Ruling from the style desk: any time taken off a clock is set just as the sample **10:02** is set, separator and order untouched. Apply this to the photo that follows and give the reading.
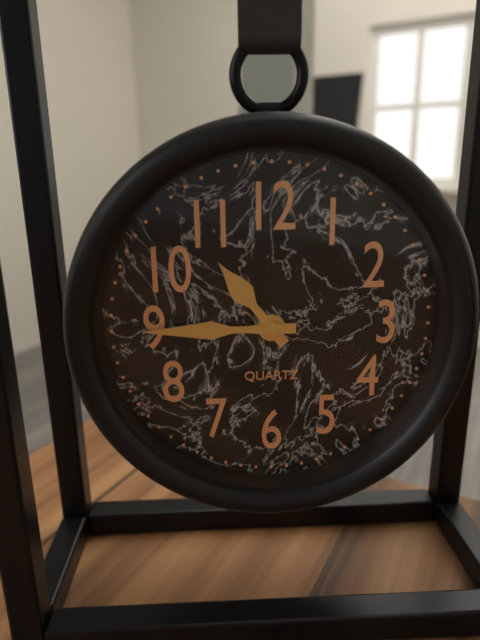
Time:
**10:45**
